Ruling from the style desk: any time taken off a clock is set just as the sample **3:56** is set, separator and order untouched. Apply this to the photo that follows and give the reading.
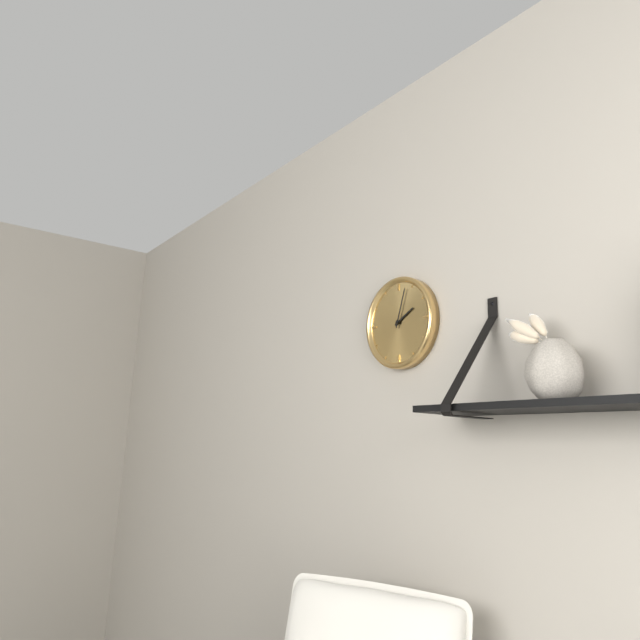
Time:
**2:03**
